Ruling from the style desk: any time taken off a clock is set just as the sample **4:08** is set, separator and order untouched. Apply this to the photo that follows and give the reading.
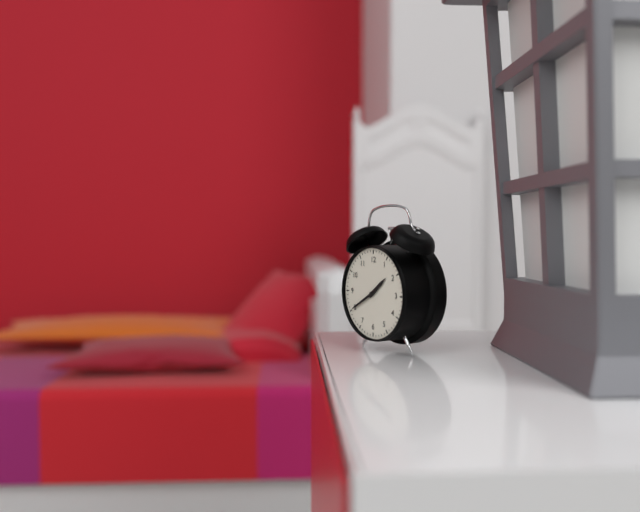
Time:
**1:40**
